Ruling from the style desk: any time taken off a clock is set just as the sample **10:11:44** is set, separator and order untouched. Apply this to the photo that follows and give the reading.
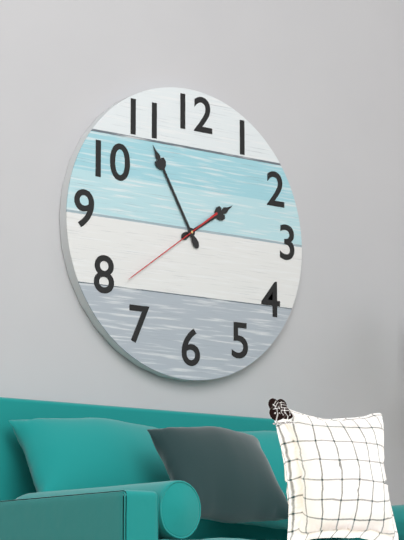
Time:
**1:55:39**
